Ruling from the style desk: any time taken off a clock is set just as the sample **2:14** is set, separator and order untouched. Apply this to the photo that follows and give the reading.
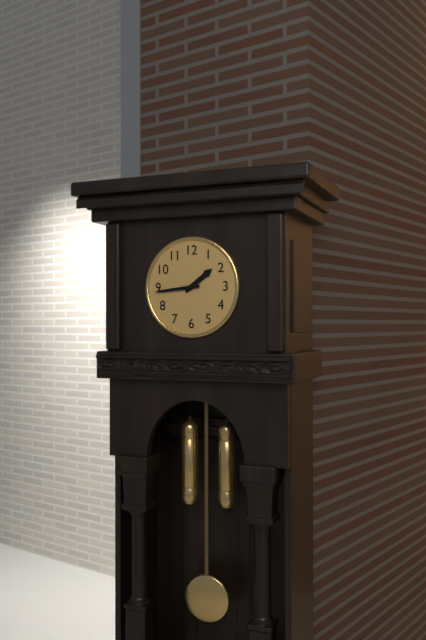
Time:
**1:44**
